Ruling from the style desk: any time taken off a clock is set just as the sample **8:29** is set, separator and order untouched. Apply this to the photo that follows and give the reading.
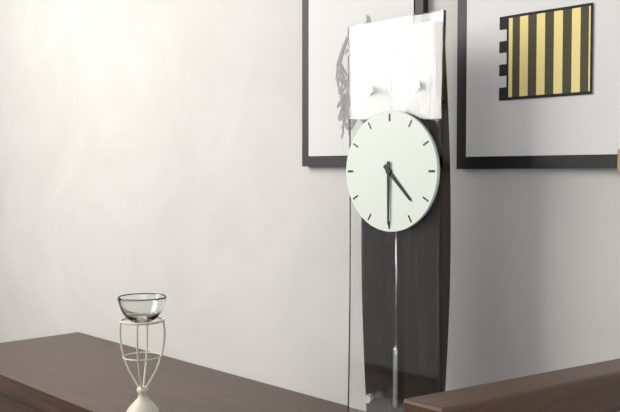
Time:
**4:30**
